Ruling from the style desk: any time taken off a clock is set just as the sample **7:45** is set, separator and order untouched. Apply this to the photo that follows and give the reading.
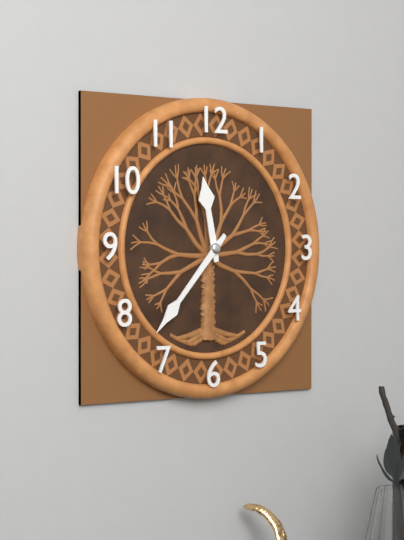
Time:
**11:37**
